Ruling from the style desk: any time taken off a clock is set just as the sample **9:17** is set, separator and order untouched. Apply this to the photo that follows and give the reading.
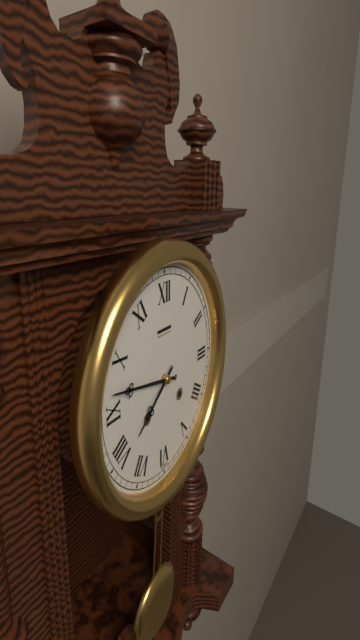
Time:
**7:47**
